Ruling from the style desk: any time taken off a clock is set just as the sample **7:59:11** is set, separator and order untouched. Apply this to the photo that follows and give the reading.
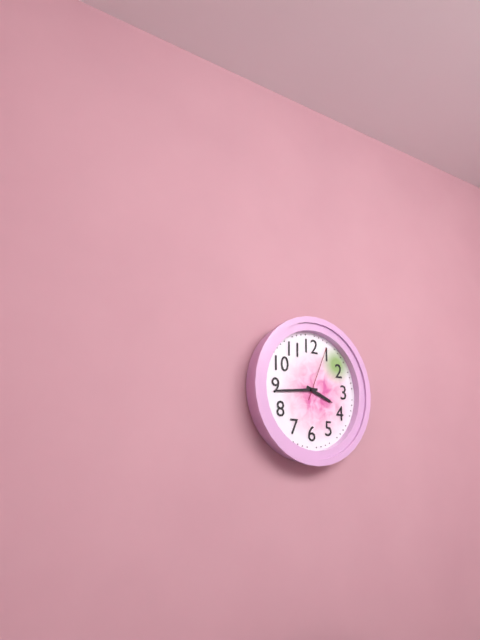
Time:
**3:44:04**
